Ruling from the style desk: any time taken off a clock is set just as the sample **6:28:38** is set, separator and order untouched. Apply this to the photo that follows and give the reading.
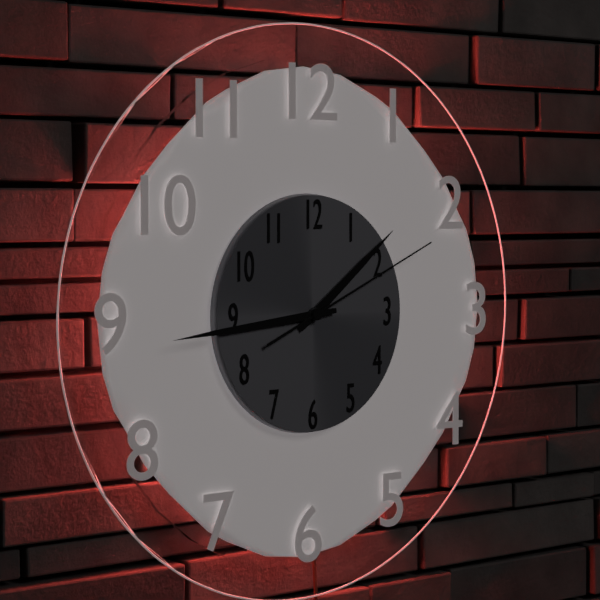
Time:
**1:44:11**
